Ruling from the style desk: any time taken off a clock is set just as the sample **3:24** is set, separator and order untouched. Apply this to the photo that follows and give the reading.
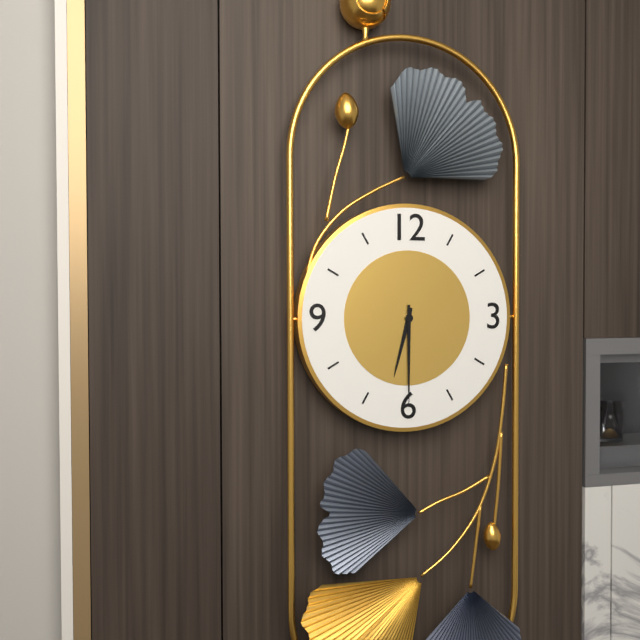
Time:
**6:30**
